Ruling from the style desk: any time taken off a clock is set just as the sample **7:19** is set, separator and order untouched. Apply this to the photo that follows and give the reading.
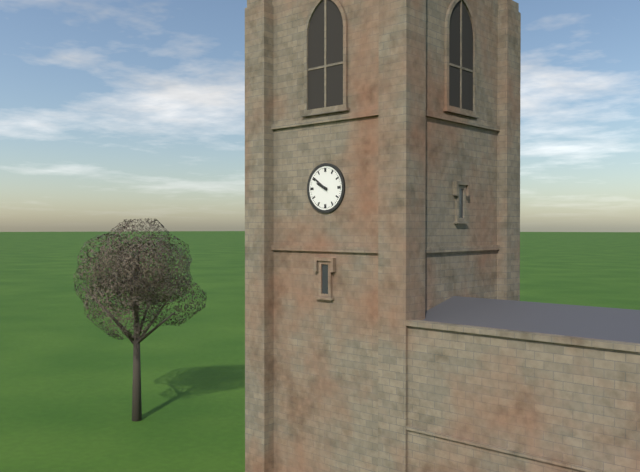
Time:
**9:51**
